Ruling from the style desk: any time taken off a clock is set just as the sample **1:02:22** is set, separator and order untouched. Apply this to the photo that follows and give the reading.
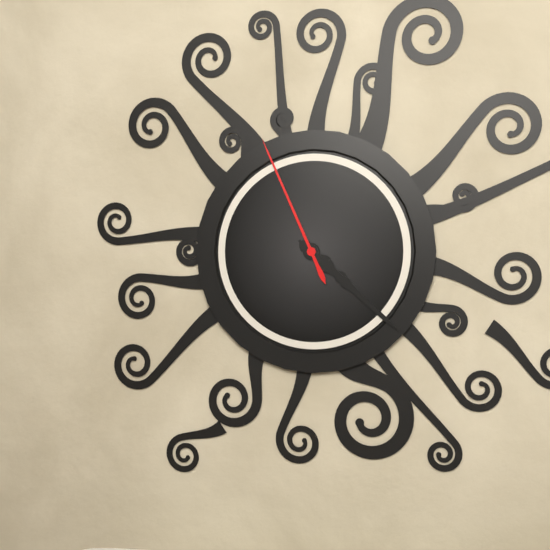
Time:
**4:22:56**
